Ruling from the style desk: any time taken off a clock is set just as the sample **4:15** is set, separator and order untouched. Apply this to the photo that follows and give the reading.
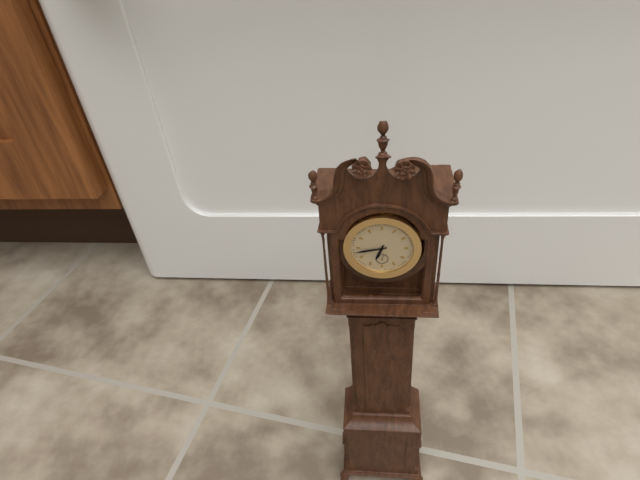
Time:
**6:43**
